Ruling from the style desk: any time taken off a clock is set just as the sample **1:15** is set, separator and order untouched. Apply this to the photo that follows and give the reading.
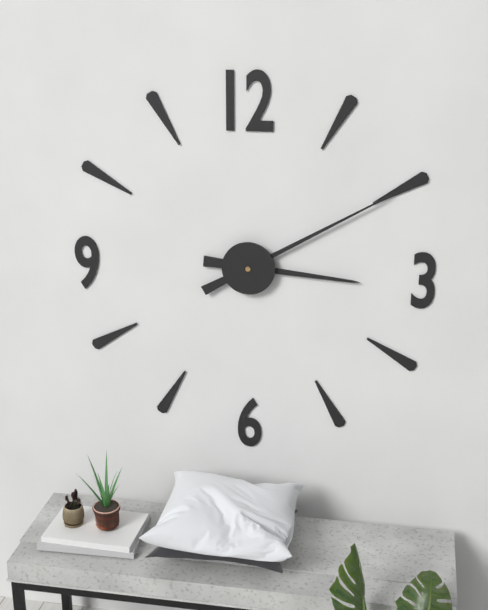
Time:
**3:10**
